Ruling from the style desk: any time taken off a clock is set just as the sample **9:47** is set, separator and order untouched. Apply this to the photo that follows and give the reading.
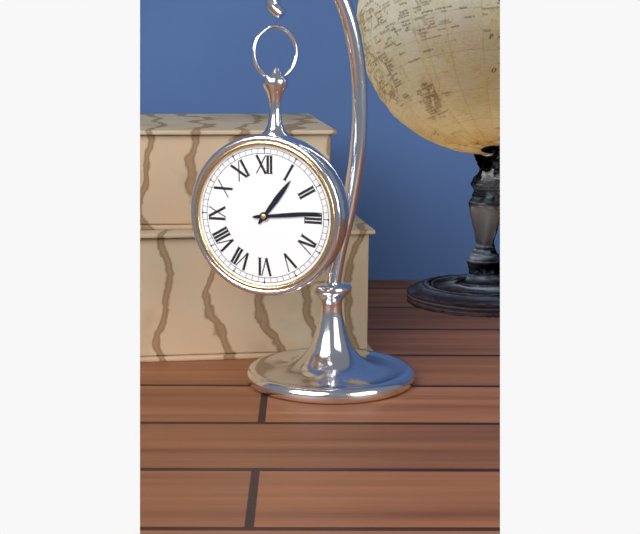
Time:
**1:14**
